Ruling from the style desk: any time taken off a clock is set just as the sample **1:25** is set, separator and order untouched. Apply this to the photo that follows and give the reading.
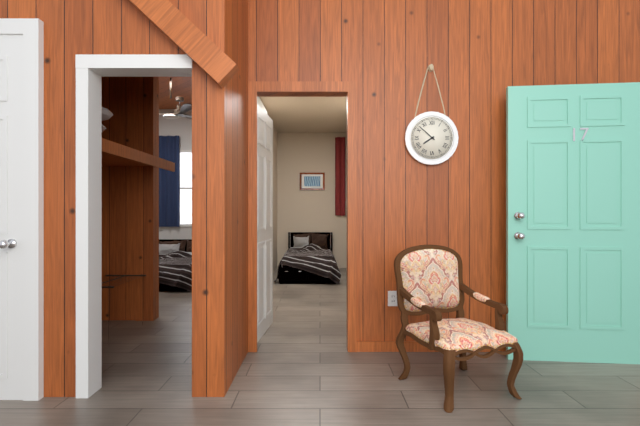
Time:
**7:52**
